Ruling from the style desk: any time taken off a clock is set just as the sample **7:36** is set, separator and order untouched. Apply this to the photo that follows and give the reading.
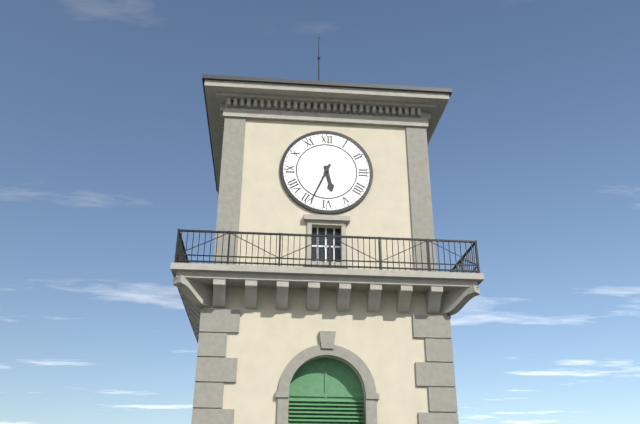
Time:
**5:34**
